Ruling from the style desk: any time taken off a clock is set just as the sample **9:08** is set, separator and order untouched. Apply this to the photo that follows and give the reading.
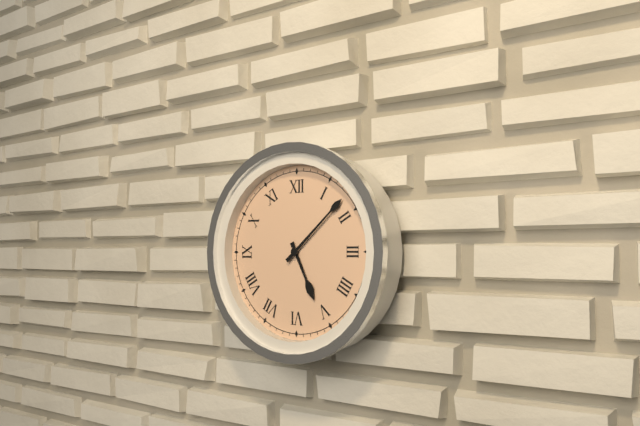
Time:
**5:08**
